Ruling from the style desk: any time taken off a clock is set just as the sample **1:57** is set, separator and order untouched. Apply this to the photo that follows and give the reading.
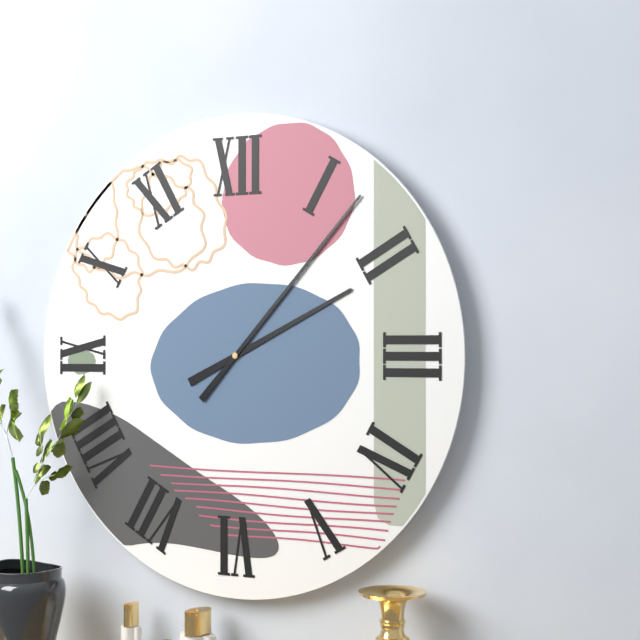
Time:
**2:07**
